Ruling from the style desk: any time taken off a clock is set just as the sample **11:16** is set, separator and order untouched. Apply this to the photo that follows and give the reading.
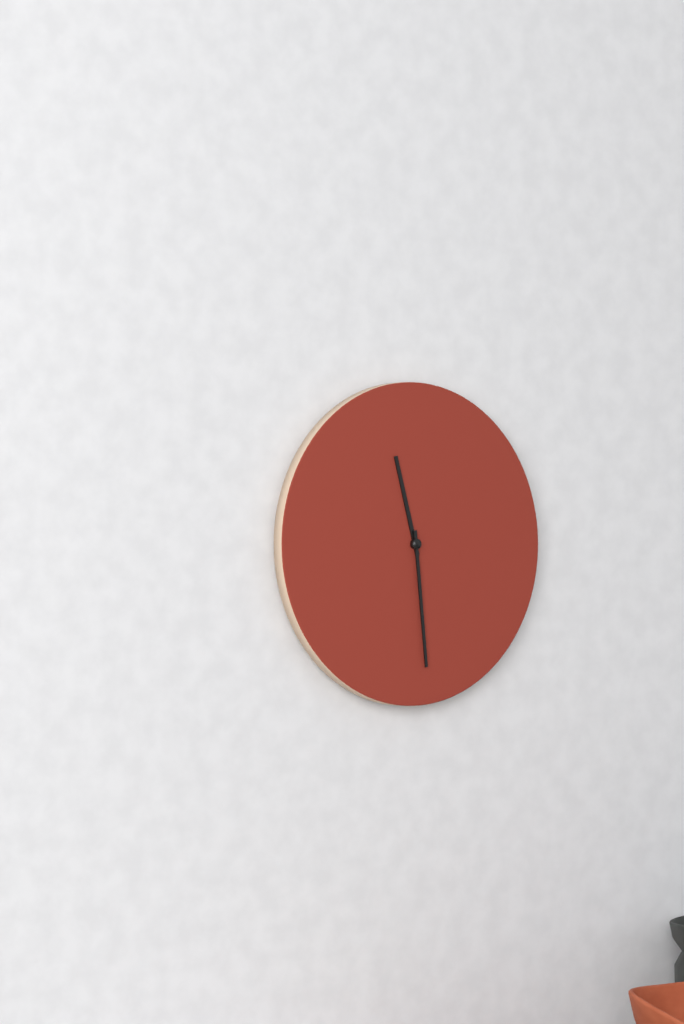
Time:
**11:29**
